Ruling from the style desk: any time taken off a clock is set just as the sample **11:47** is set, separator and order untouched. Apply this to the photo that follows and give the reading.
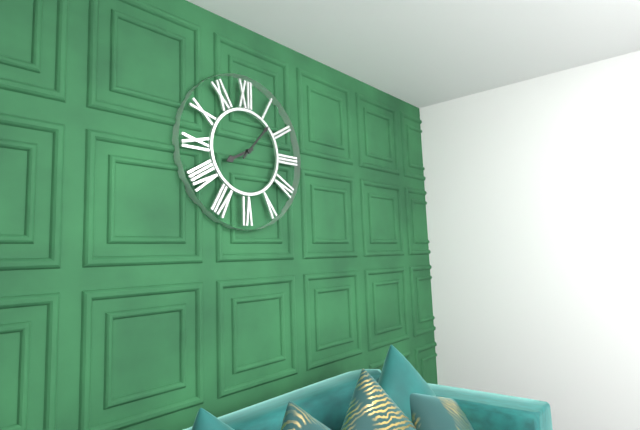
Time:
**8:07**
